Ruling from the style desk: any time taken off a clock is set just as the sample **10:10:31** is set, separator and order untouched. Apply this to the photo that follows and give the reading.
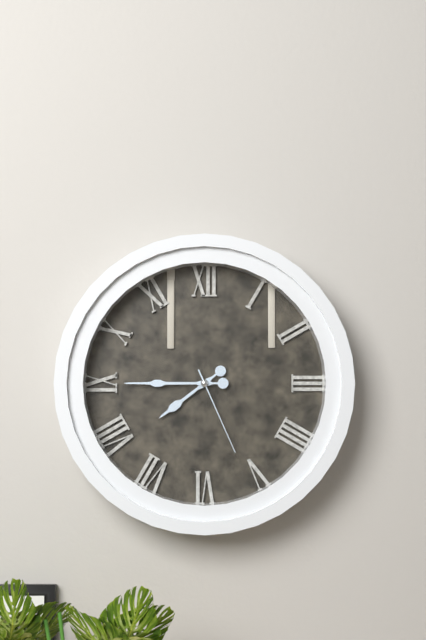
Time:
**7:45:26**
